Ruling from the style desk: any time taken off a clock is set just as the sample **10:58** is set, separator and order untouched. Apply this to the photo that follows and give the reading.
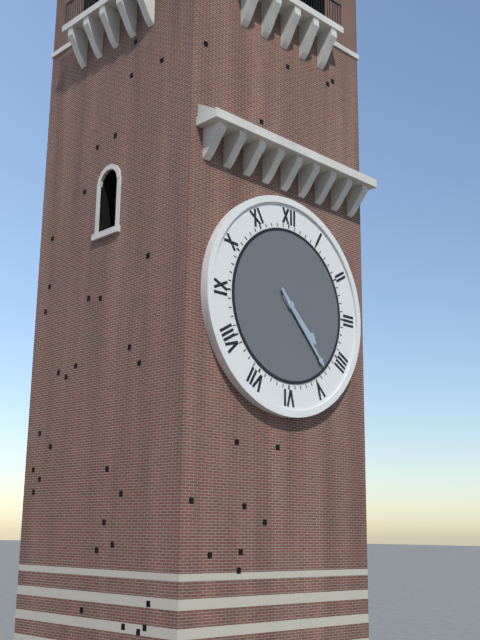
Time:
**4:23**
